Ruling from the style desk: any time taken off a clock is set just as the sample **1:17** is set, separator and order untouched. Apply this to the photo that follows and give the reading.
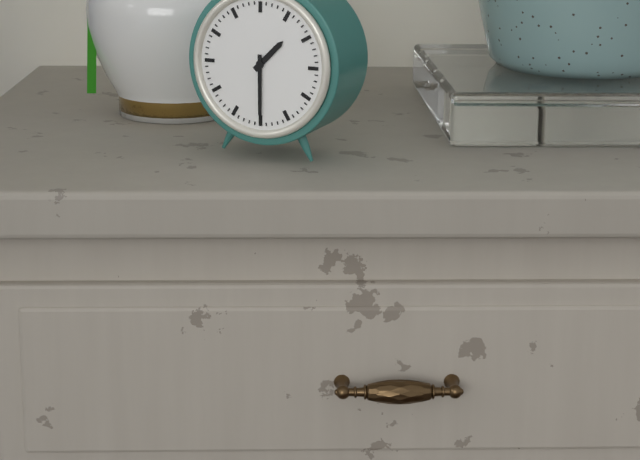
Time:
**1:30**
